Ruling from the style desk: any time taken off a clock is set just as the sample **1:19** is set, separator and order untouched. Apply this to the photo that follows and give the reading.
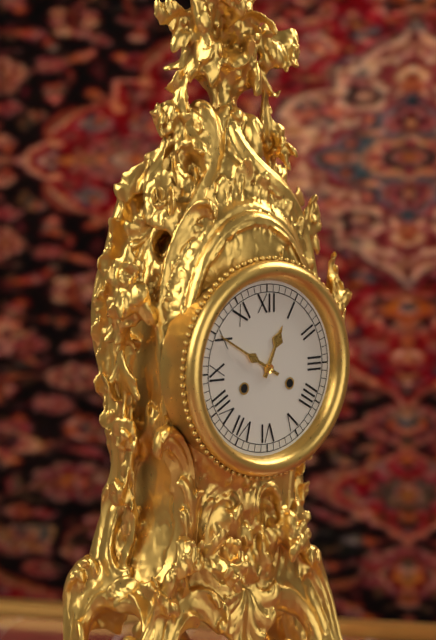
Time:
**12:50**
